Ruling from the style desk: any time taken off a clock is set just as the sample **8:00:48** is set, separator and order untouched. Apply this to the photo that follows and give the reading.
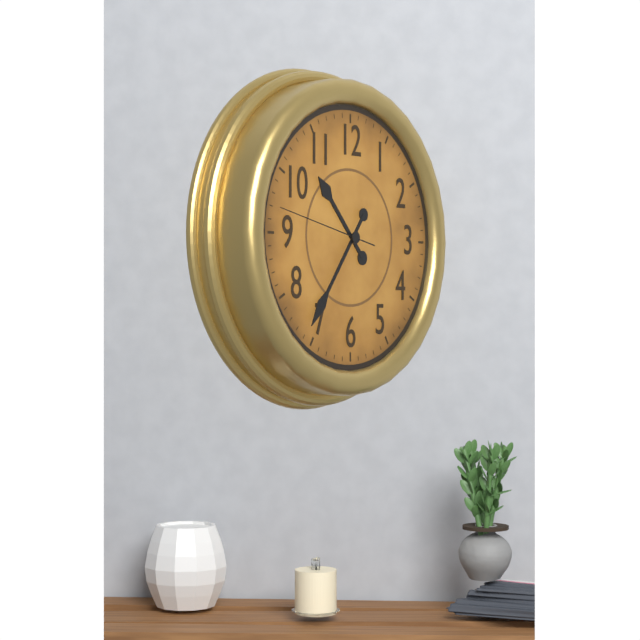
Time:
**10:36:47**
